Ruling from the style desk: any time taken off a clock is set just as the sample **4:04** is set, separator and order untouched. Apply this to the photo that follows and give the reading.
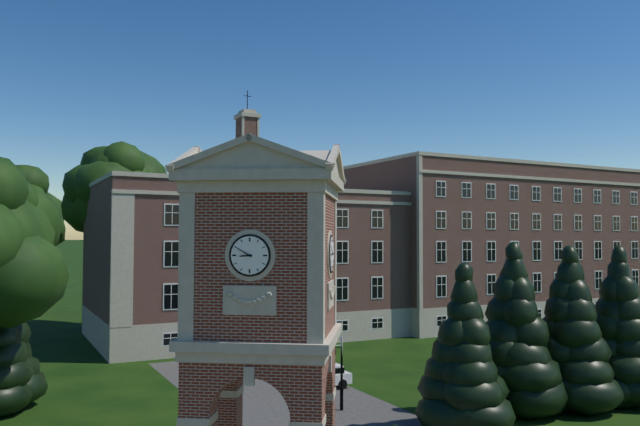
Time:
**8:50**
